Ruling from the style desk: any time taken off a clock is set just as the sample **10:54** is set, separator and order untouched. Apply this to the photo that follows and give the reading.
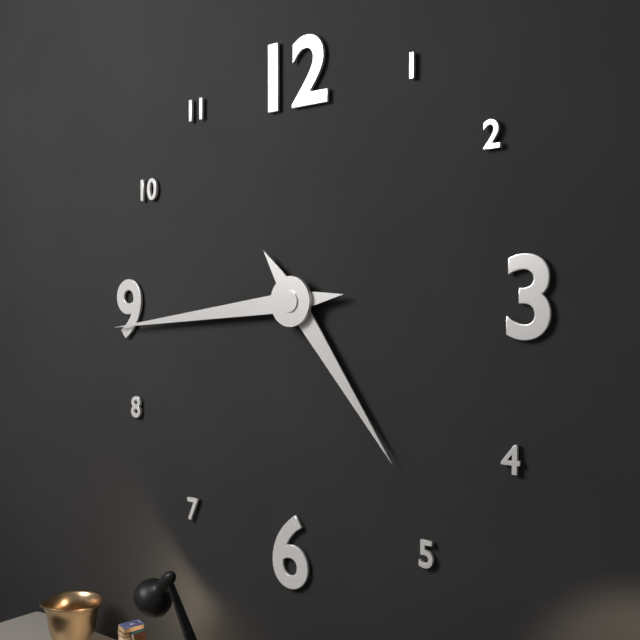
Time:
**4:44**
